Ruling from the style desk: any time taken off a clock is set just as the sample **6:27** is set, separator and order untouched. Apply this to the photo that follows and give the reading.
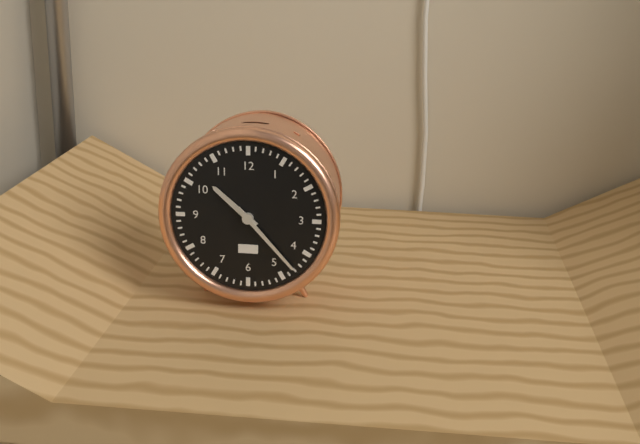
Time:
**10:23**
